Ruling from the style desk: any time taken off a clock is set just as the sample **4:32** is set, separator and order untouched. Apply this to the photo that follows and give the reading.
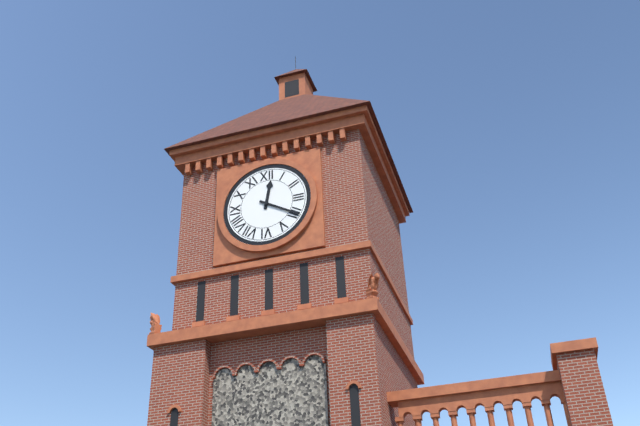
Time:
**12:20**
